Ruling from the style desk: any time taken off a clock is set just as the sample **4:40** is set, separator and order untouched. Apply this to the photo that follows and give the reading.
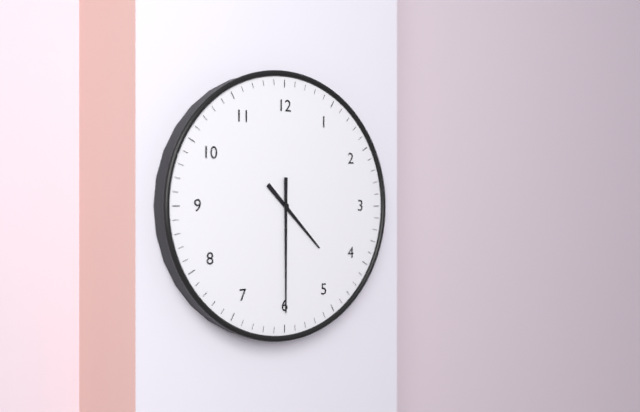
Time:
**4:30**
